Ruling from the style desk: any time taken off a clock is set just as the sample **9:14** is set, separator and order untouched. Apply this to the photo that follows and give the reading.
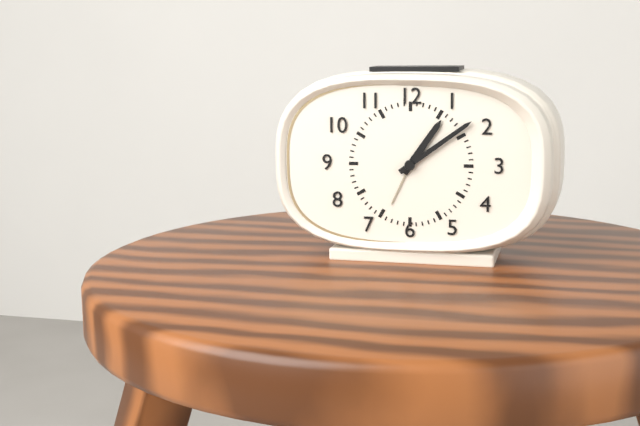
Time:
**1:09**
